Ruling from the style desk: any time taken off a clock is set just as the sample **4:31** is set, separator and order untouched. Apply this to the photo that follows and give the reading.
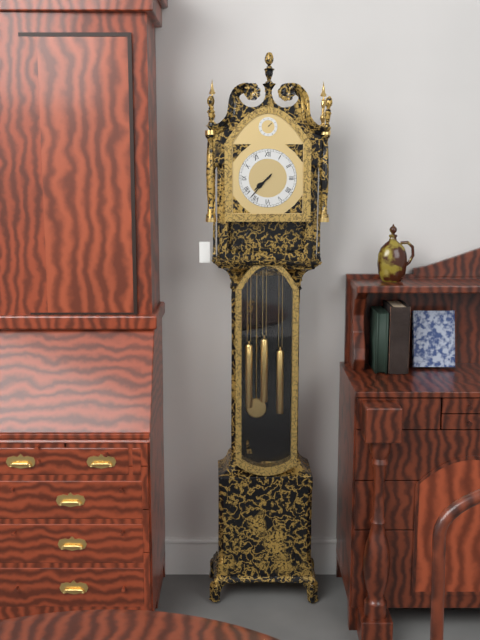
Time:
**7:37**
